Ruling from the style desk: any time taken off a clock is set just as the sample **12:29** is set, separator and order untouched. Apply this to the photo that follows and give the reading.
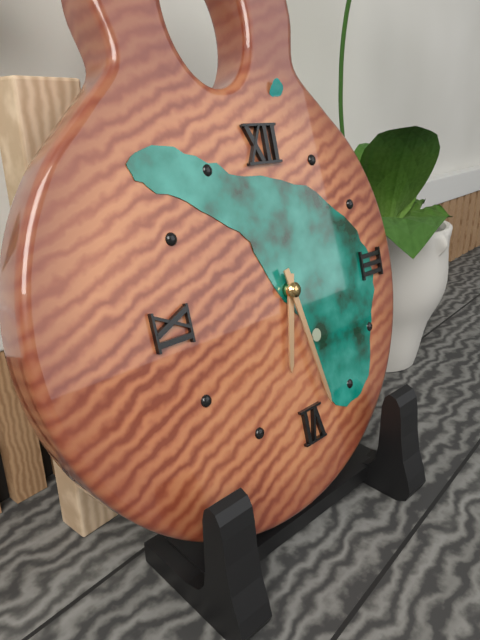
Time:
**6:28**
